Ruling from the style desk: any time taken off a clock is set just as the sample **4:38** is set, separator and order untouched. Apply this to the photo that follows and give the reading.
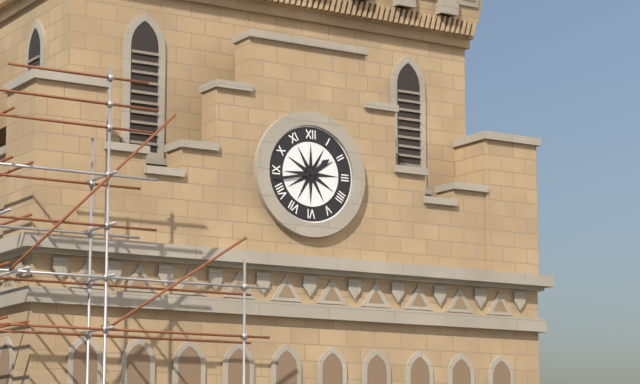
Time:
**1:43**
